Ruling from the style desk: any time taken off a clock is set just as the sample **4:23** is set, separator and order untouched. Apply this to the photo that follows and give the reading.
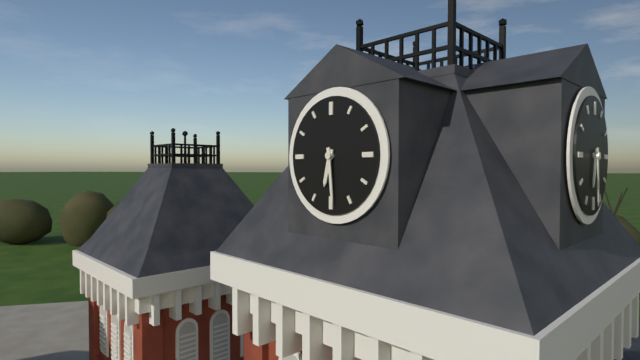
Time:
**6:29**
